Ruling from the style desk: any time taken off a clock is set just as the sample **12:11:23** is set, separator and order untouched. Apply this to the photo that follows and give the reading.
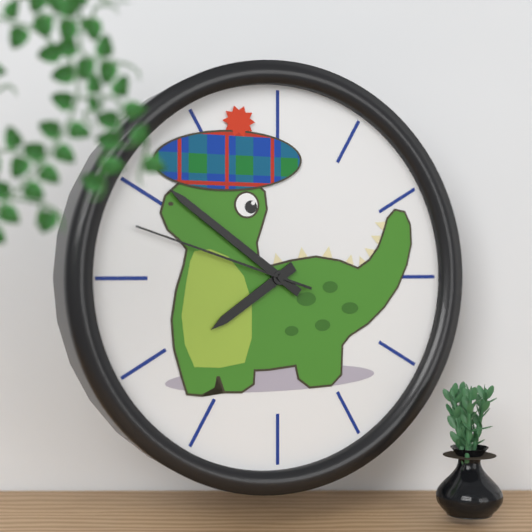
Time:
**7:51:48**
